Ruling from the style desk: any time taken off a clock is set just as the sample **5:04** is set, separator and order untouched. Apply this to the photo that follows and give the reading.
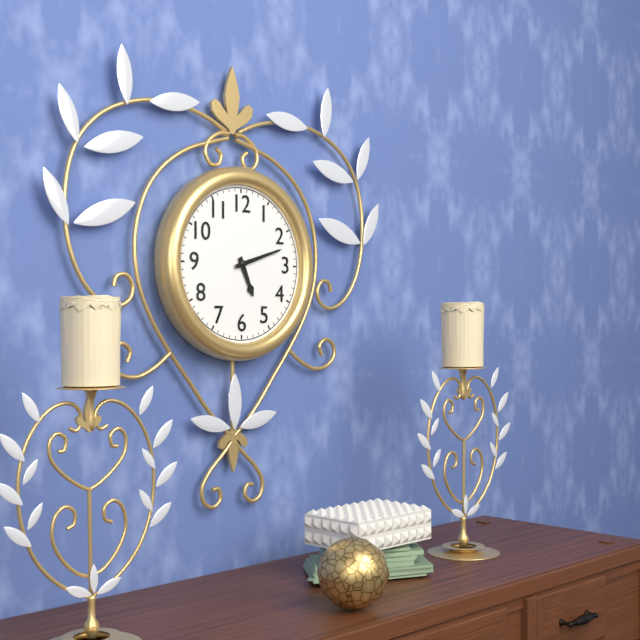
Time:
**5:12**
